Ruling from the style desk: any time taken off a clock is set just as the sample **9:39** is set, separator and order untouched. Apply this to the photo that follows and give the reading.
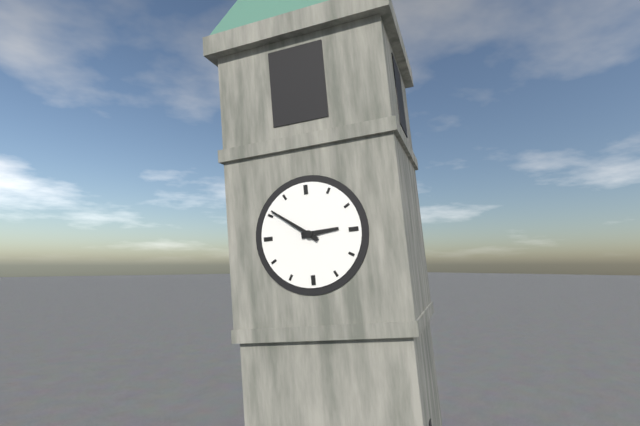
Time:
**2:51**
